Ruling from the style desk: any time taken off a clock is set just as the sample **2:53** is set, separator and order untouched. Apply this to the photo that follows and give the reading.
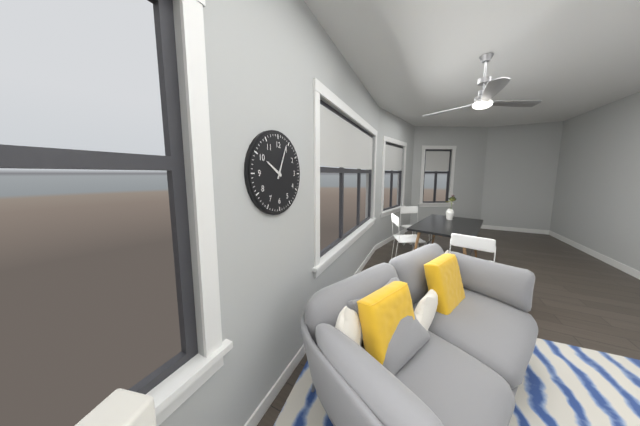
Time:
**10:04**
